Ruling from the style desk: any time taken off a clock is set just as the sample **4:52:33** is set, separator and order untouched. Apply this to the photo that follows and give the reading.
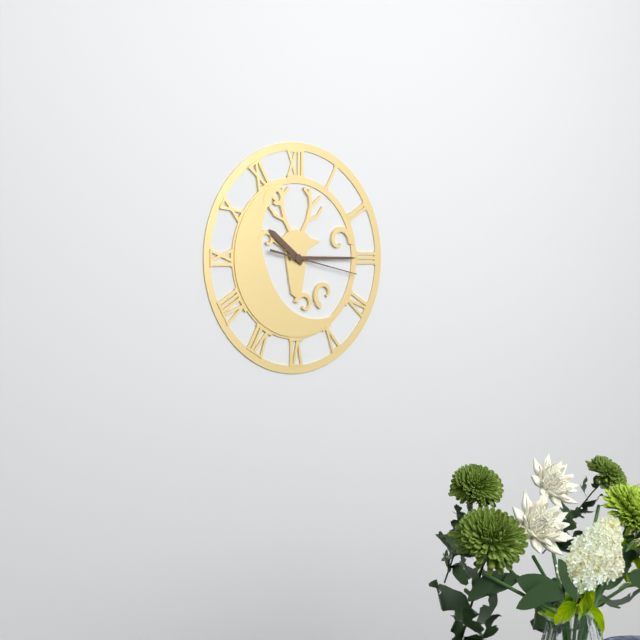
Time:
**10:15:17**
